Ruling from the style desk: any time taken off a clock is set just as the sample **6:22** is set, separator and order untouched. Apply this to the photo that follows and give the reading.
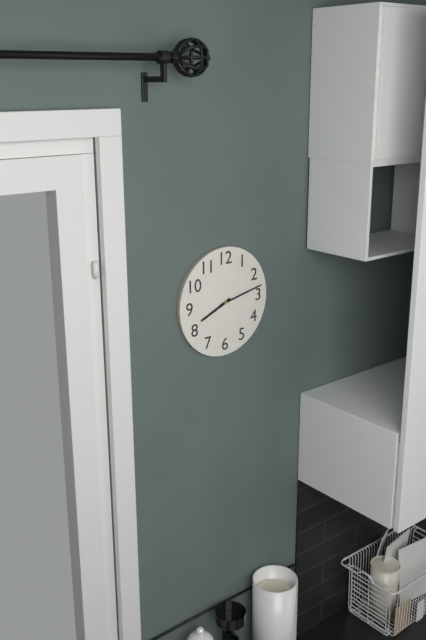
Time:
**8:13**
